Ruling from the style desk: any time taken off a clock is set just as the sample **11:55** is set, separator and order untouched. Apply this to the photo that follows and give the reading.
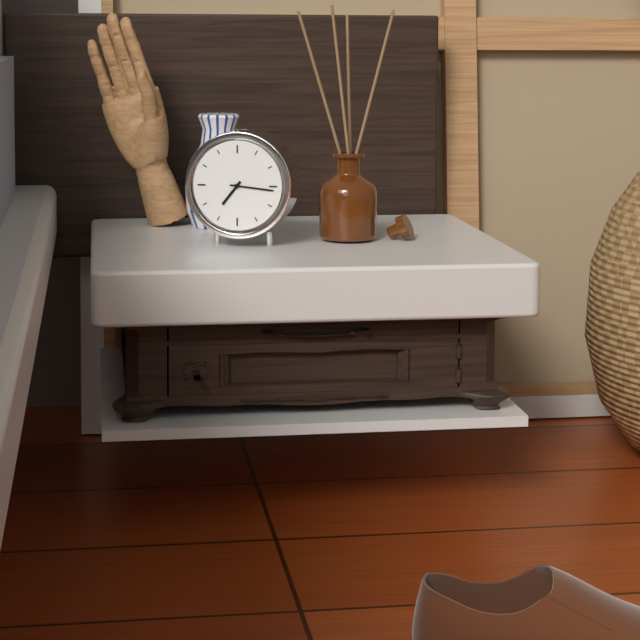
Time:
**7:16**
